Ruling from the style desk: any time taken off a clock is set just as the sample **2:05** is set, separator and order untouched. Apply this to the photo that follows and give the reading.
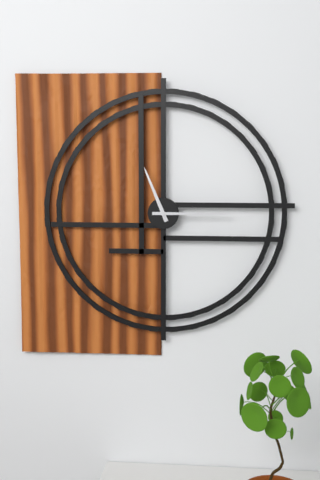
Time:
**11:15**
